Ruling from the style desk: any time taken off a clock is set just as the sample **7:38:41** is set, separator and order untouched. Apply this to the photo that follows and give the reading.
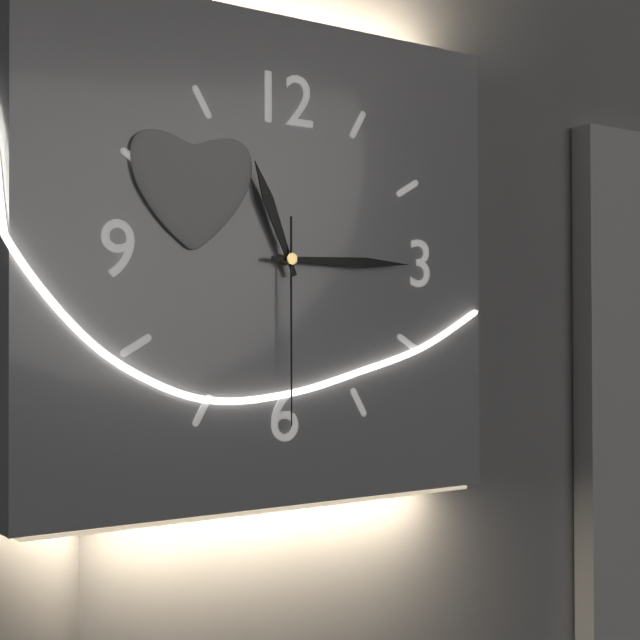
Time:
**11:15:30**
